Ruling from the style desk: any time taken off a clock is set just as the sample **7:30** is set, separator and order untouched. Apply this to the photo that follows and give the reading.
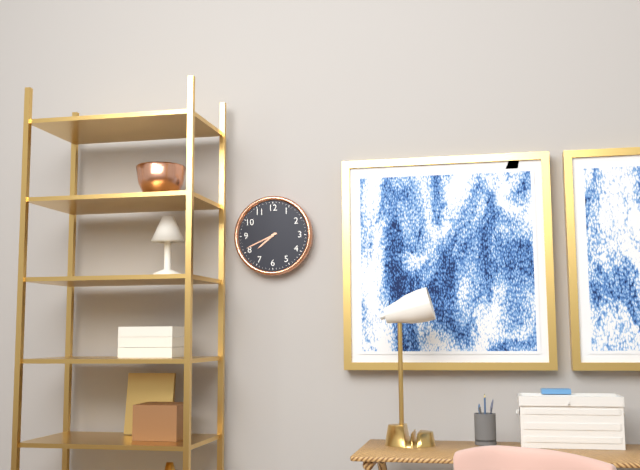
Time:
**7:41**
